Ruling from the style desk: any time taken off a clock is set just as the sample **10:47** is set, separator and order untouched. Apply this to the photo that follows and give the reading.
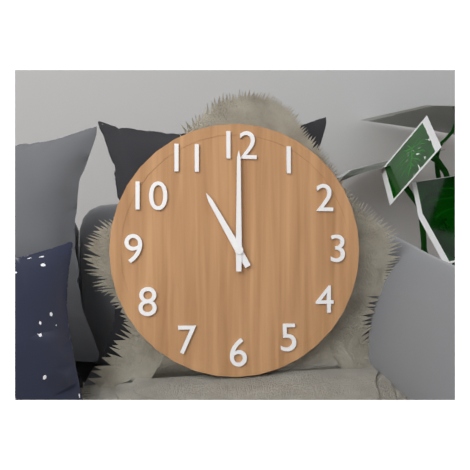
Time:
**11:00**
